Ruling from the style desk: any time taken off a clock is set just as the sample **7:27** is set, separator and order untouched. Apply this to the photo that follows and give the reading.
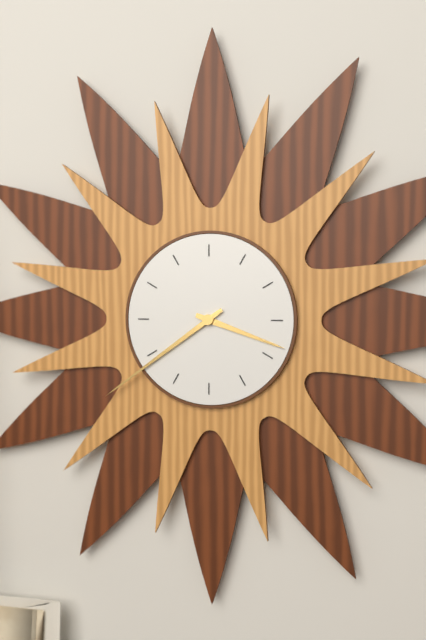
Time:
**3:39**
